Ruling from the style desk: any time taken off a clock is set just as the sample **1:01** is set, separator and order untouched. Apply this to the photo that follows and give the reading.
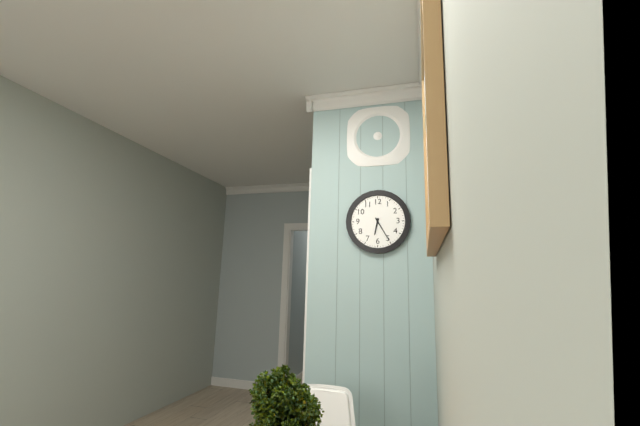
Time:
**6:25**
